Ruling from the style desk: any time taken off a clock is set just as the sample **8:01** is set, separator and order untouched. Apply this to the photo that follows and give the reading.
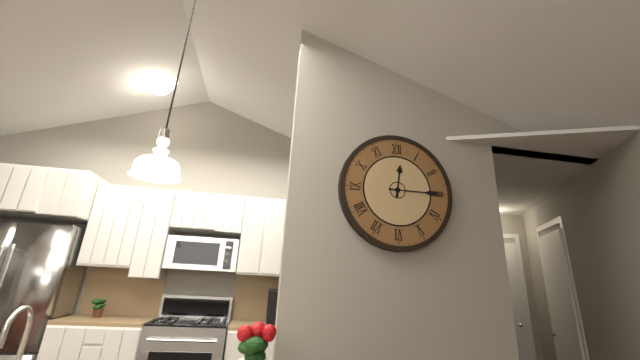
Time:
**12:15**
